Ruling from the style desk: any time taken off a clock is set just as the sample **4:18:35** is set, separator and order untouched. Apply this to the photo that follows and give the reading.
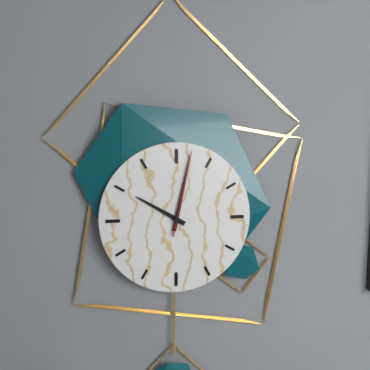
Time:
**10:02:02**
